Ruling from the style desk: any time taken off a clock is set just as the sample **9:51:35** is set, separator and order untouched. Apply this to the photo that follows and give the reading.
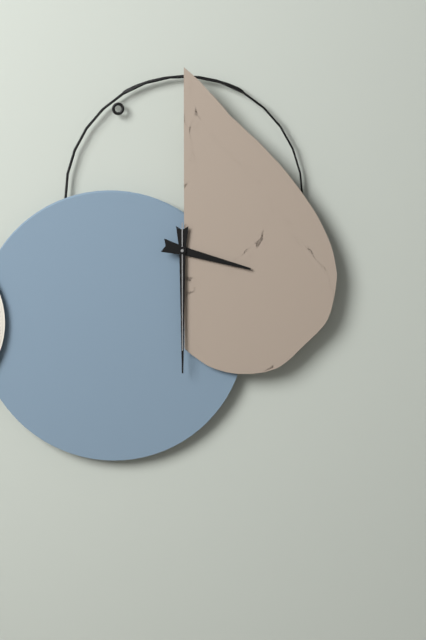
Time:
**3:30:30**
